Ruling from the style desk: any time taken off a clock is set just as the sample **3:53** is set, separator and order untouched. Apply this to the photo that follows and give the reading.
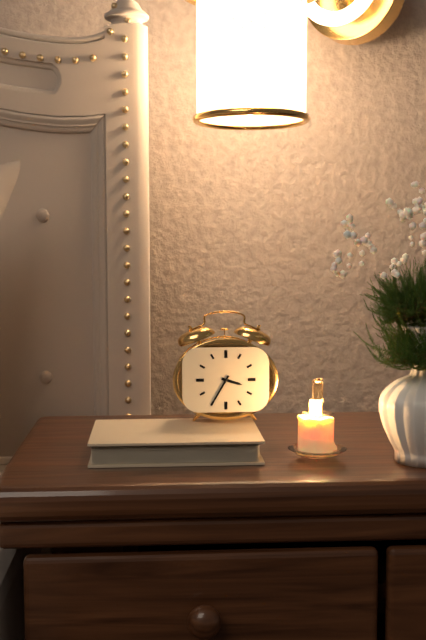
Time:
**3:35**
